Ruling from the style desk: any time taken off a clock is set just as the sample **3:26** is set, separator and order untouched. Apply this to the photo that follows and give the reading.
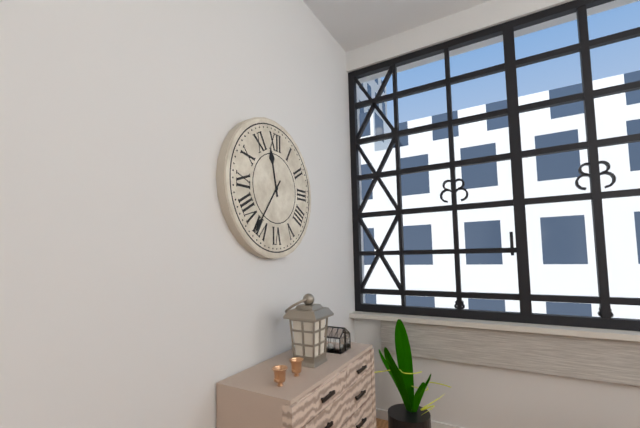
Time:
**11:36**
